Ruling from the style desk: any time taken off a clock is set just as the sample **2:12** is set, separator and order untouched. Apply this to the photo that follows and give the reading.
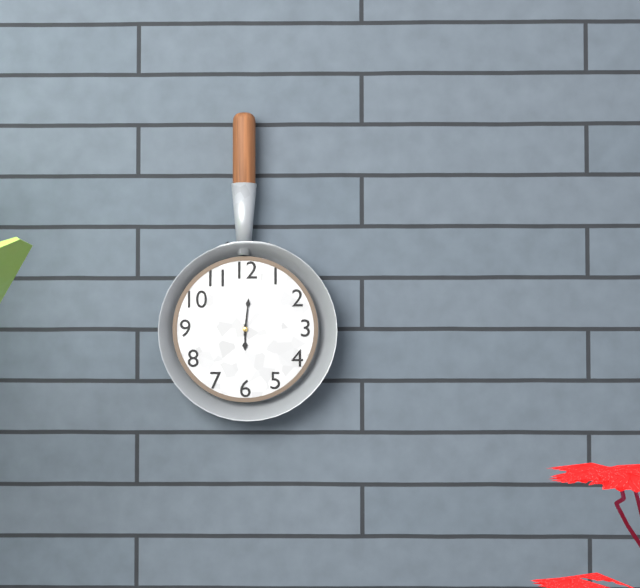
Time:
**6:01**
